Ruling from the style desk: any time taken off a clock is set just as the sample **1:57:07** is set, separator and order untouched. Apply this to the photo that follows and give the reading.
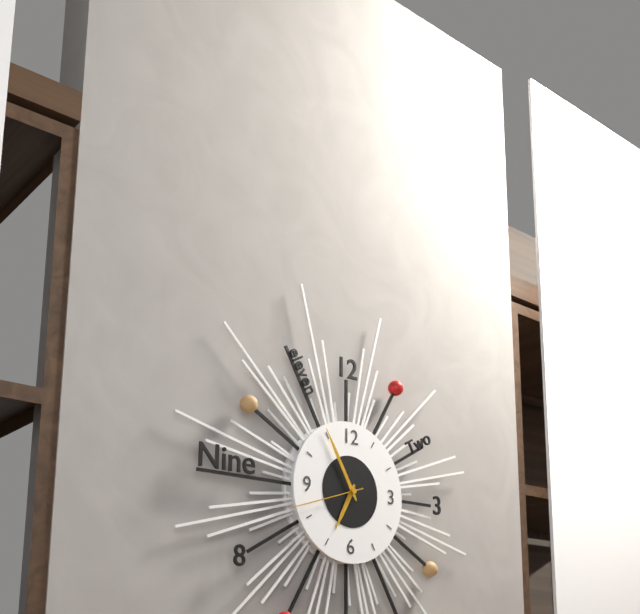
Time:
**6:55:42**
